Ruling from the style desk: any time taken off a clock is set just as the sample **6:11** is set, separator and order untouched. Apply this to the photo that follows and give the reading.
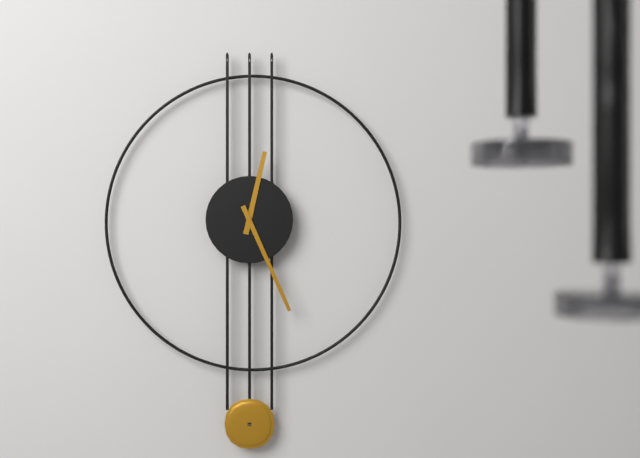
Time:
**12:26**
